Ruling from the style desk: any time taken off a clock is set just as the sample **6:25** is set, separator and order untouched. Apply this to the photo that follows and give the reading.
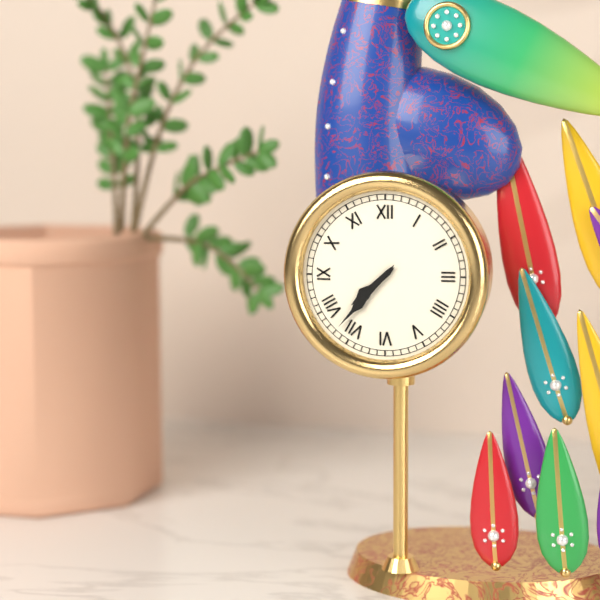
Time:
**7:37**
